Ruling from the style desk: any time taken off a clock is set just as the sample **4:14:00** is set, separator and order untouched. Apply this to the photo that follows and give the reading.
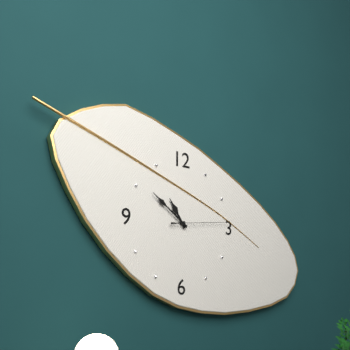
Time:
**10:51:14**
